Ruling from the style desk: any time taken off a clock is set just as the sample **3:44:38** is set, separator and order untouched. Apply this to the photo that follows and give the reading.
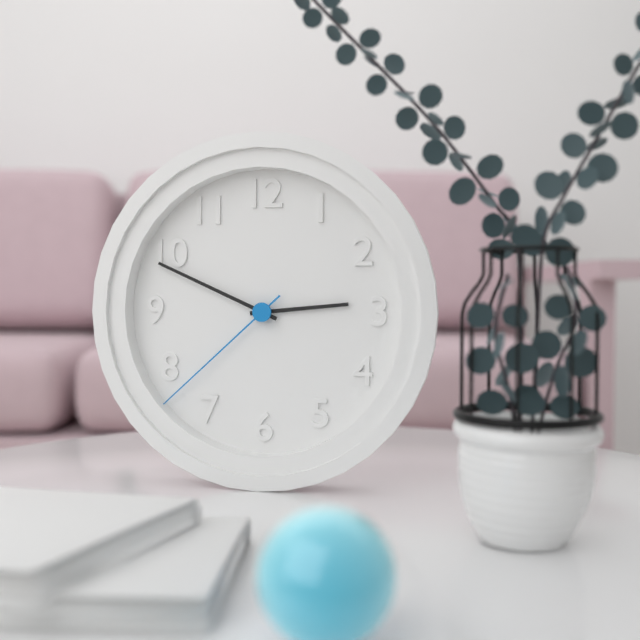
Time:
**2:49:38**
